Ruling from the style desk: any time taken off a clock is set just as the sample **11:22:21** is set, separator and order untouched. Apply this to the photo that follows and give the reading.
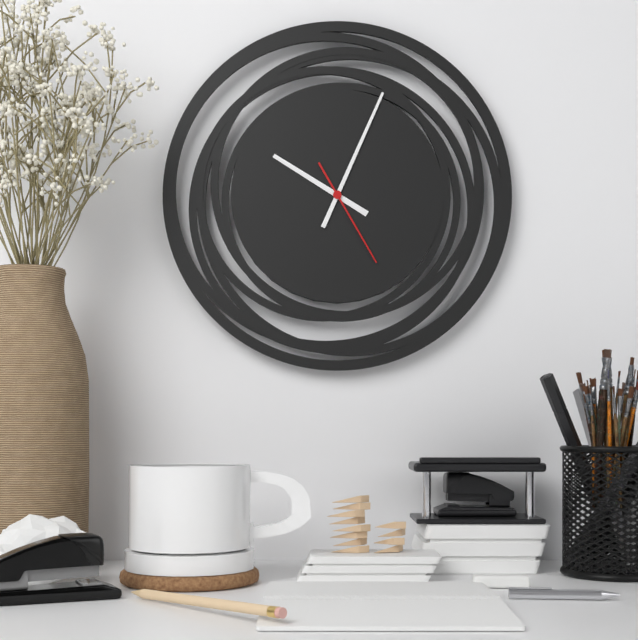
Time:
**10:04:25**
